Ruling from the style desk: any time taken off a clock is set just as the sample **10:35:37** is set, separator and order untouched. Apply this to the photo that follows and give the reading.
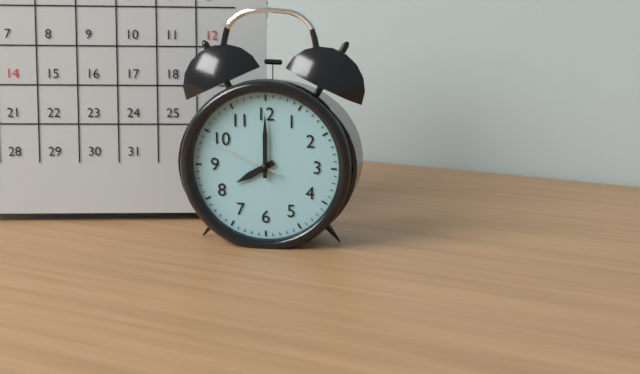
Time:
**8:00:49**
